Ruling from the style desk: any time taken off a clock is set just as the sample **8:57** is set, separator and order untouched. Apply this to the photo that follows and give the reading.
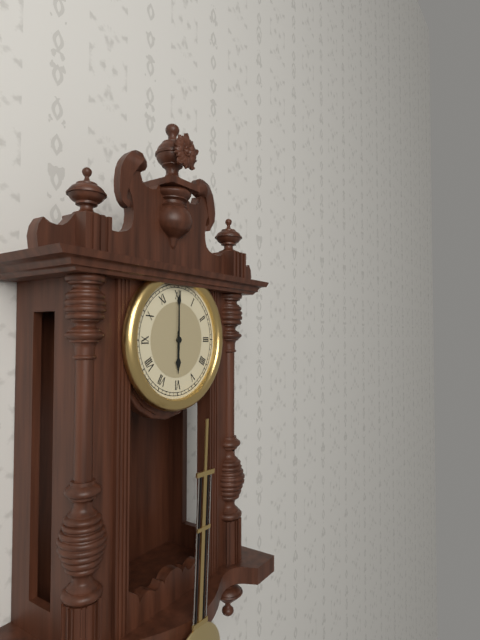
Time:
**6:00**
